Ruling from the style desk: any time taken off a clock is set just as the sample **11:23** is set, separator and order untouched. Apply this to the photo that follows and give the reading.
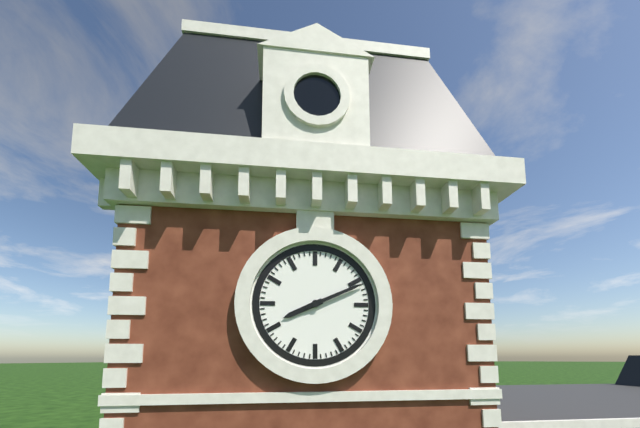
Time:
**8:11**
